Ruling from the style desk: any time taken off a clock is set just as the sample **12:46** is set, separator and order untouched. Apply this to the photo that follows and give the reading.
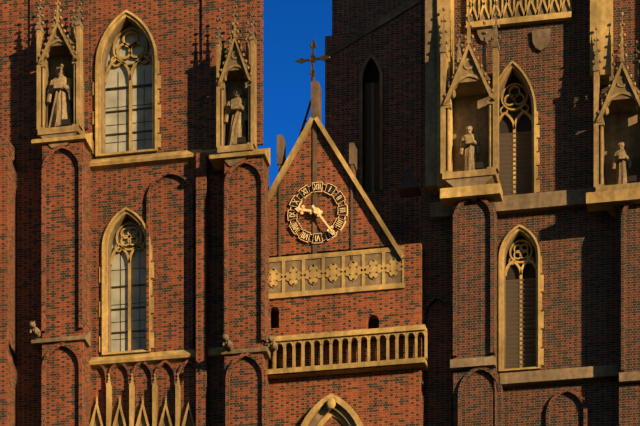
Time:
**9:24**
